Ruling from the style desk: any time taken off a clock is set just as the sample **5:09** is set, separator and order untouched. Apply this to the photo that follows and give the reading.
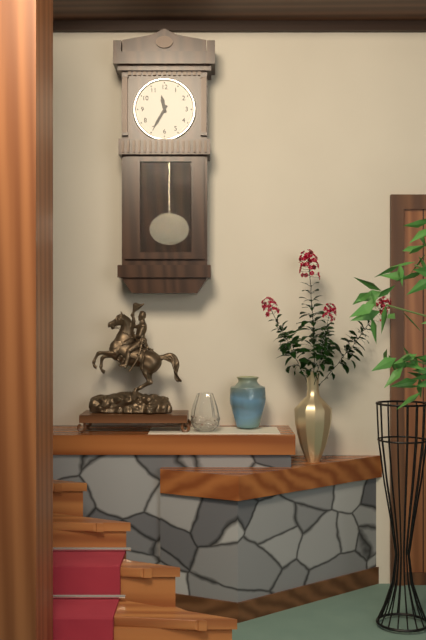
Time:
**11:35**
